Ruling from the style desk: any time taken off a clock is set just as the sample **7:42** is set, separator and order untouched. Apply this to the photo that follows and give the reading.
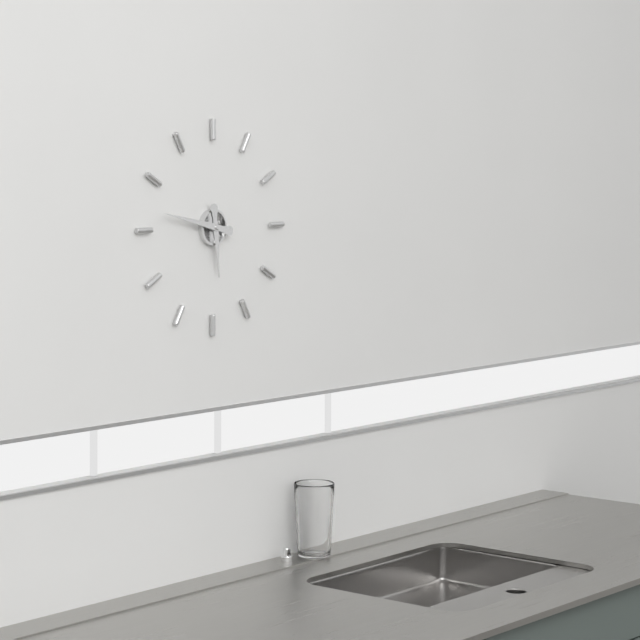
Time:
**5:47**
